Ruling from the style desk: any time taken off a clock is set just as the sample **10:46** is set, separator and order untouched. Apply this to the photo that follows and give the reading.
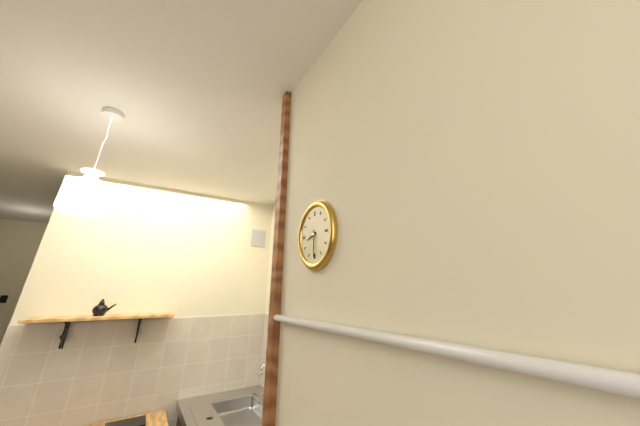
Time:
**8:30**
